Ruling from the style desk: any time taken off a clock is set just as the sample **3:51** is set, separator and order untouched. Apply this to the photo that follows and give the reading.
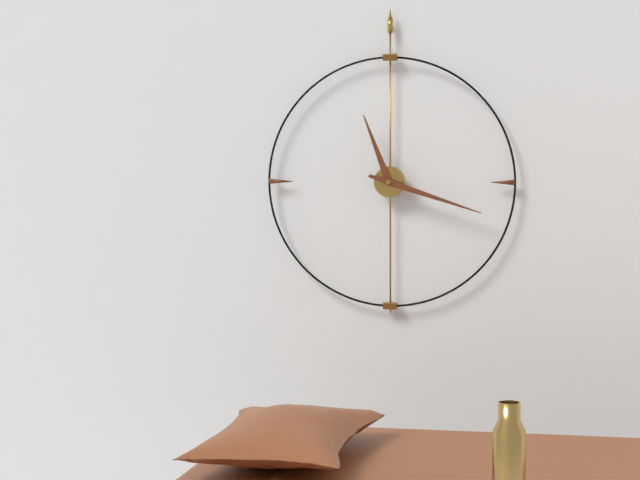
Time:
**11:18**
